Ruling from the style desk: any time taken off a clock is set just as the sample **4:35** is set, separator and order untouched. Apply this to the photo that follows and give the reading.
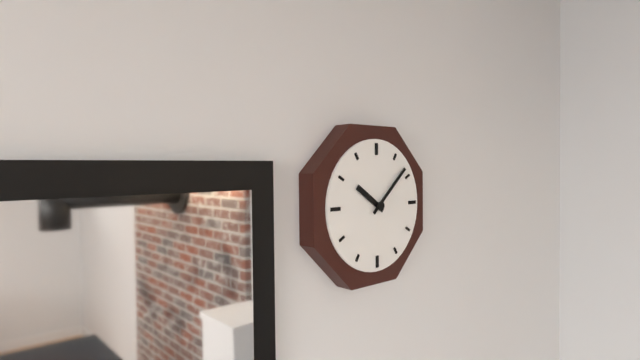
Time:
**10:08**
